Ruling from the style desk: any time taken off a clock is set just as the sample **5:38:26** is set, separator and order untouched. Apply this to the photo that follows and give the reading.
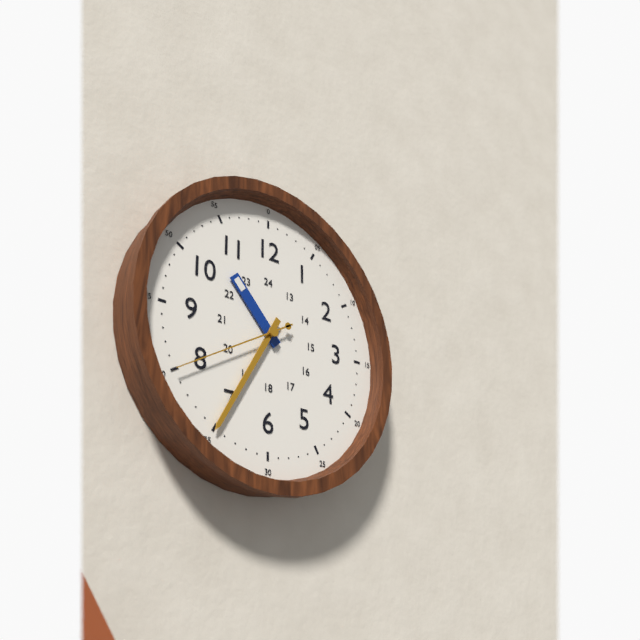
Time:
**10:35:40**
